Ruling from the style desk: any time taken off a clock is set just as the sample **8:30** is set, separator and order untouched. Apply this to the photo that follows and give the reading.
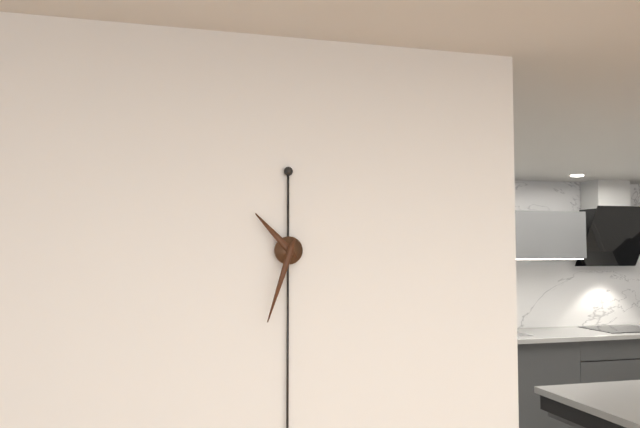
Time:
**10:33**
